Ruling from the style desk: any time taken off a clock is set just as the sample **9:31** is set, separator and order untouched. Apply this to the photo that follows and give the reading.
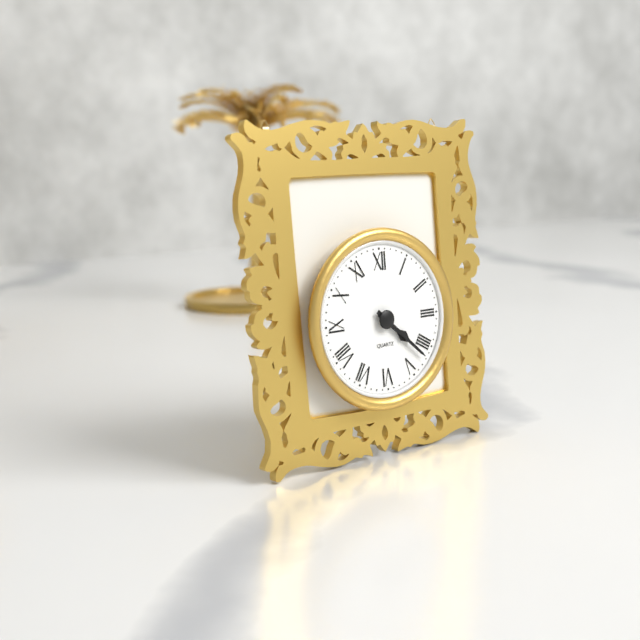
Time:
**4:22**
